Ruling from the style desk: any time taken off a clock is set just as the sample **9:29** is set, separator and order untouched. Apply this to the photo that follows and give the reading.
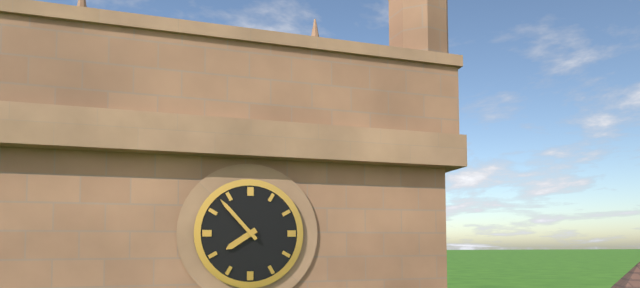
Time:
**7:53**
